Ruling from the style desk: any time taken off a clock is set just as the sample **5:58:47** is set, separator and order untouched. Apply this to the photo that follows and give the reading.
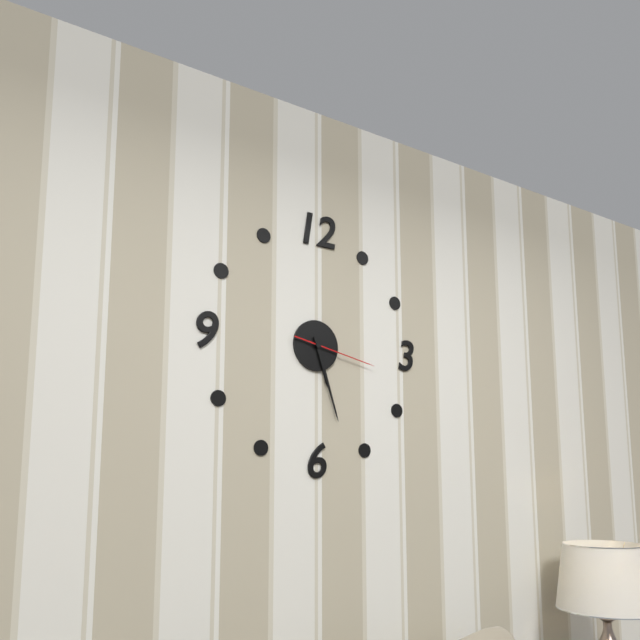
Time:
**5:27:17**
